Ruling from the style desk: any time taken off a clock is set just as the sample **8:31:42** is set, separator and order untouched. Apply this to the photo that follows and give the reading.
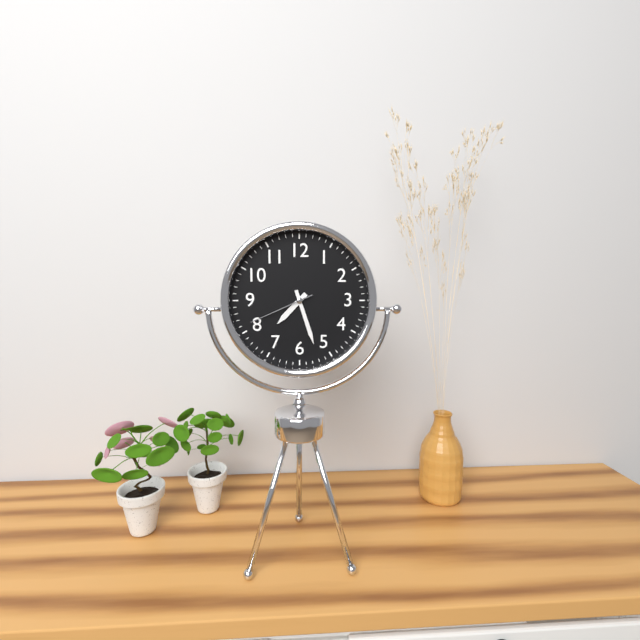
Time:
**7:27:41**
